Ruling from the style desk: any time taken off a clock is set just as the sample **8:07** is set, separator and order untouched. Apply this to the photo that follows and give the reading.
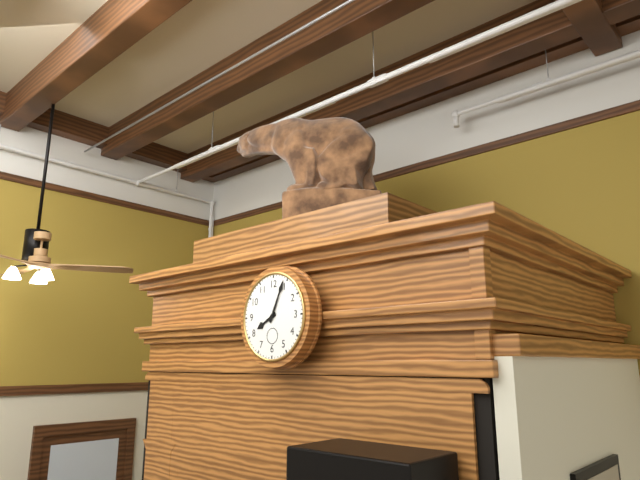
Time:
**8:04**
